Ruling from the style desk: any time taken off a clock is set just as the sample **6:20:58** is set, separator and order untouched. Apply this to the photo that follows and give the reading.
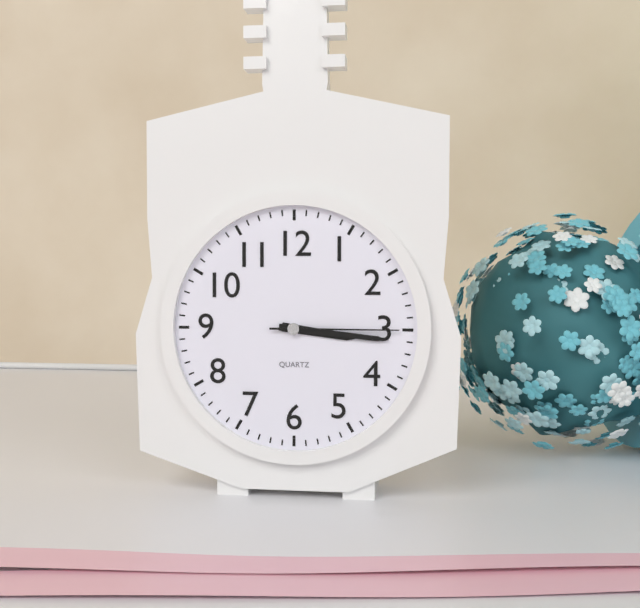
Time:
**3:16:15**
